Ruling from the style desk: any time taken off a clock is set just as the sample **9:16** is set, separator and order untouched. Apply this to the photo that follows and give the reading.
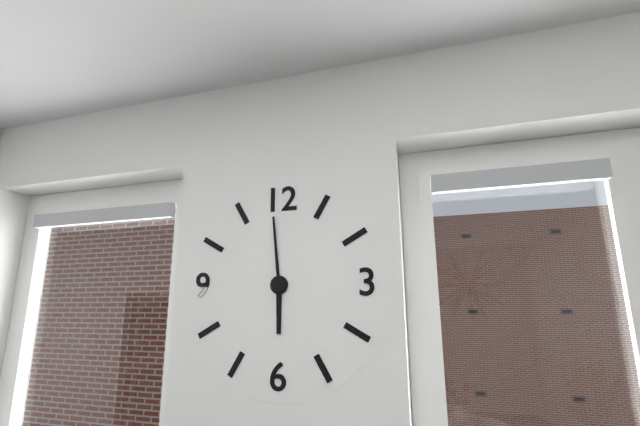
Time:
**5:59**
